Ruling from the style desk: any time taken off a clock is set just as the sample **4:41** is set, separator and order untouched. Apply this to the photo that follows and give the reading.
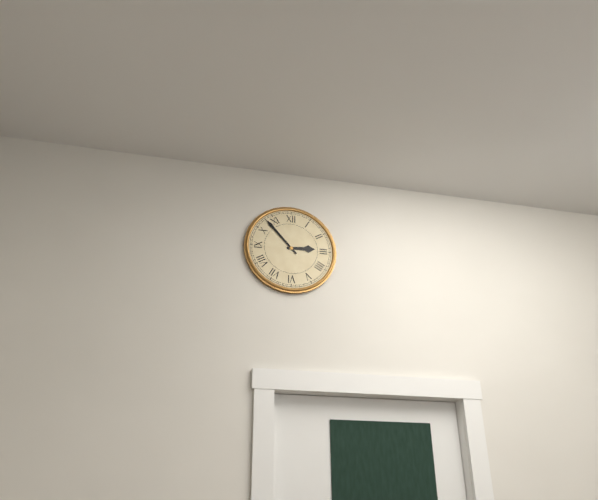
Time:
**2:53**
